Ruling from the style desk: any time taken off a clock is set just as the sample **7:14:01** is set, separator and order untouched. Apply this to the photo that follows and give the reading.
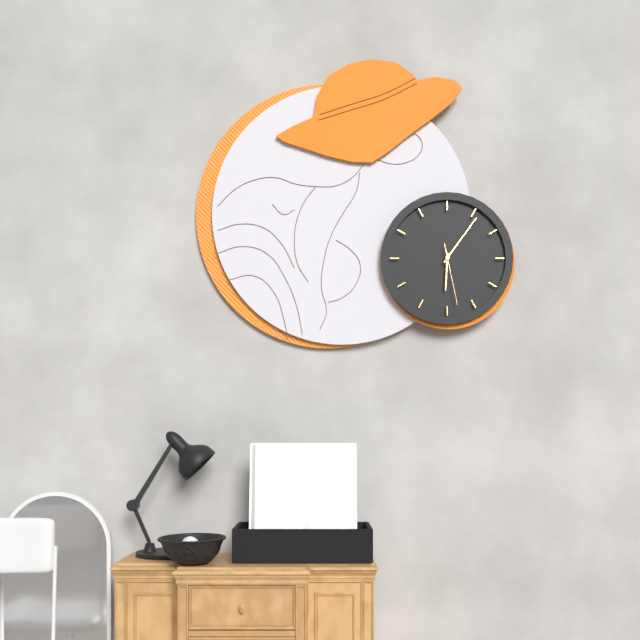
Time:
**6:06:28**
